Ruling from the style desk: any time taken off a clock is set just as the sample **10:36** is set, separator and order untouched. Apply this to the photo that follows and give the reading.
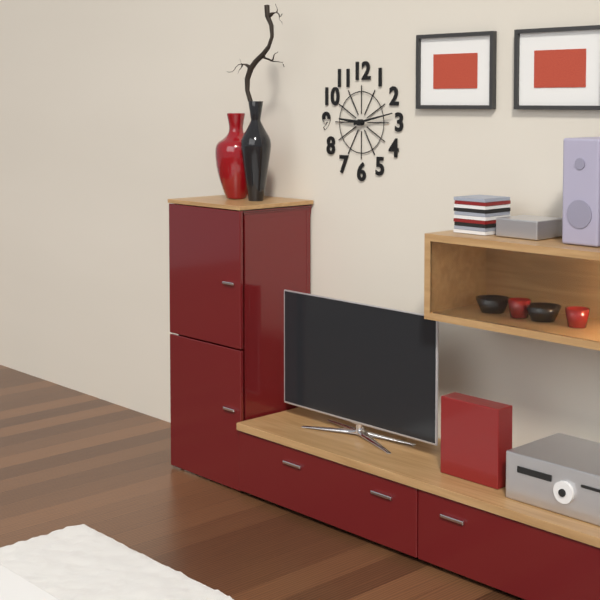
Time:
**9:13**
